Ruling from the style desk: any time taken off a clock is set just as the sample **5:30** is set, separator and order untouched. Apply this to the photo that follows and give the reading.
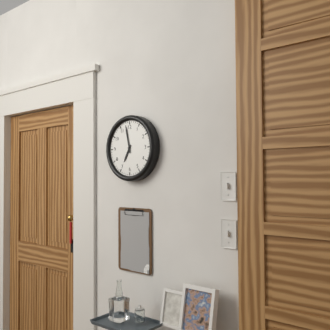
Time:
**6:58**
